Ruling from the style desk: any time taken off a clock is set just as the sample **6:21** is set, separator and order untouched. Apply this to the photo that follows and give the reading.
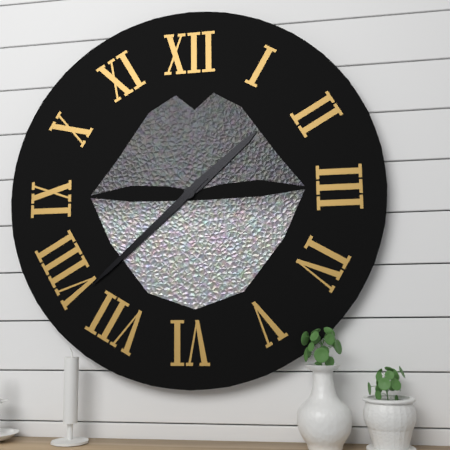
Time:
**1:38**
